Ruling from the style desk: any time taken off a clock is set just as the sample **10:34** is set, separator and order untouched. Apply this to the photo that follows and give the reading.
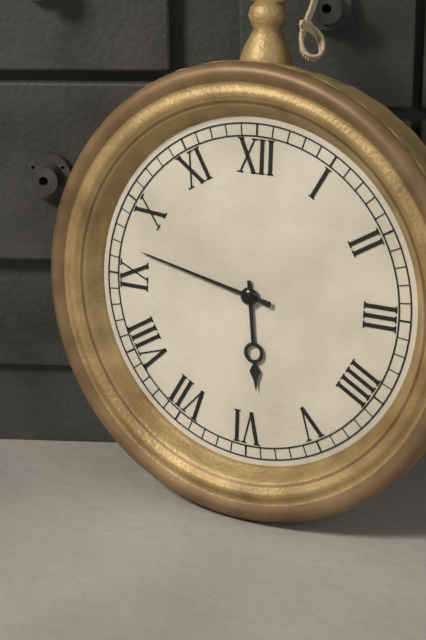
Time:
**5:47**
